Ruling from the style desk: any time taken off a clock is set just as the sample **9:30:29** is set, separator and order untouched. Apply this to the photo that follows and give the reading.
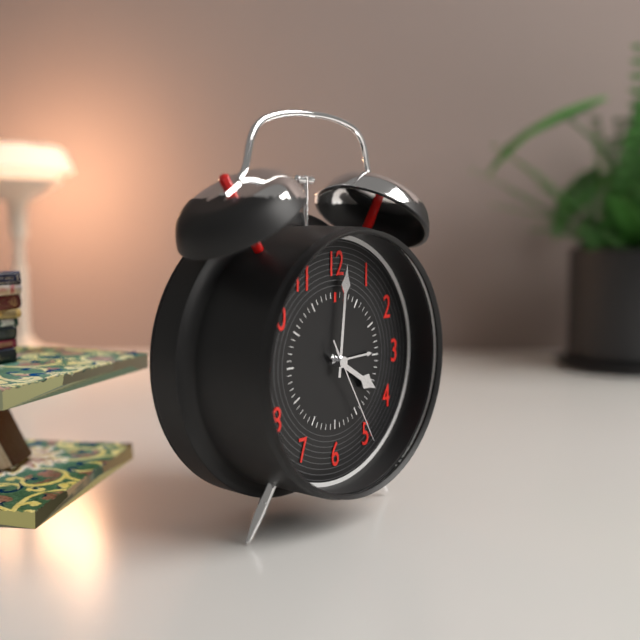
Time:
**4:01:25**
